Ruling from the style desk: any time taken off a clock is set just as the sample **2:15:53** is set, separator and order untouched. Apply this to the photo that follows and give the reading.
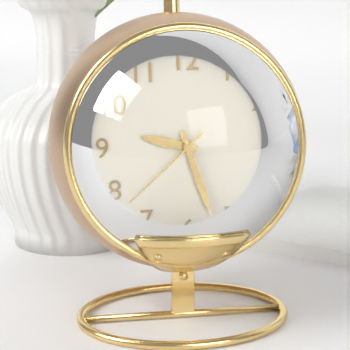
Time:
**9:27:38**
